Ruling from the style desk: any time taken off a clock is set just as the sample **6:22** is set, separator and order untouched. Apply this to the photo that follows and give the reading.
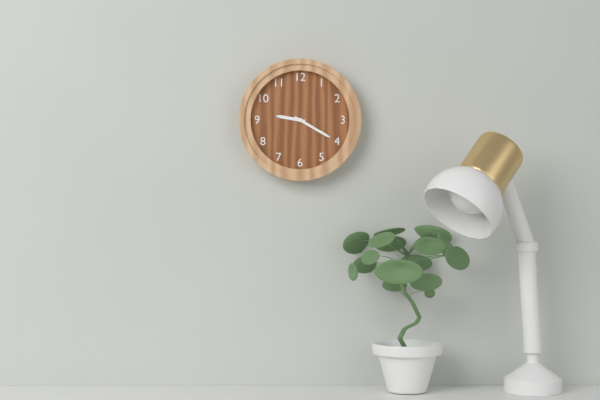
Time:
**9:20**
